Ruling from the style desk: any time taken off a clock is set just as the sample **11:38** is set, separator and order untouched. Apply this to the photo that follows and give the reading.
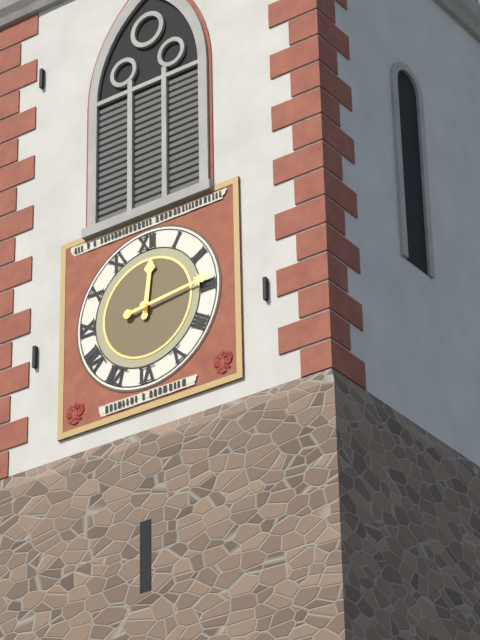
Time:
**12:14**
